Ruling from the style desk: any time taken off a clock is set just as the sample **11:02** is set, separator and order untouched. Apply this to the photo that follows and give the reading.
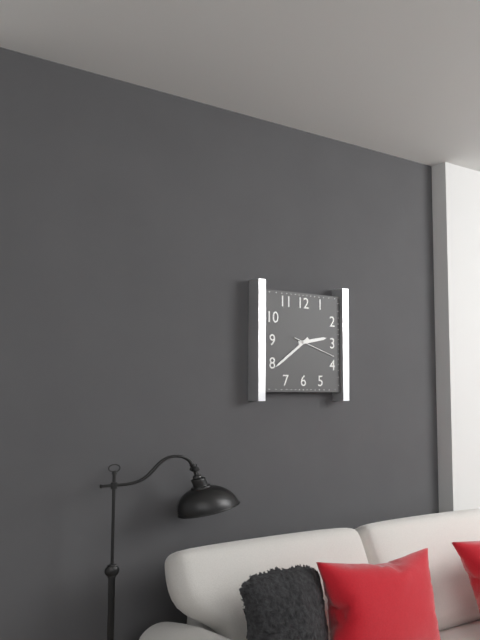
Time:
**2:39**
